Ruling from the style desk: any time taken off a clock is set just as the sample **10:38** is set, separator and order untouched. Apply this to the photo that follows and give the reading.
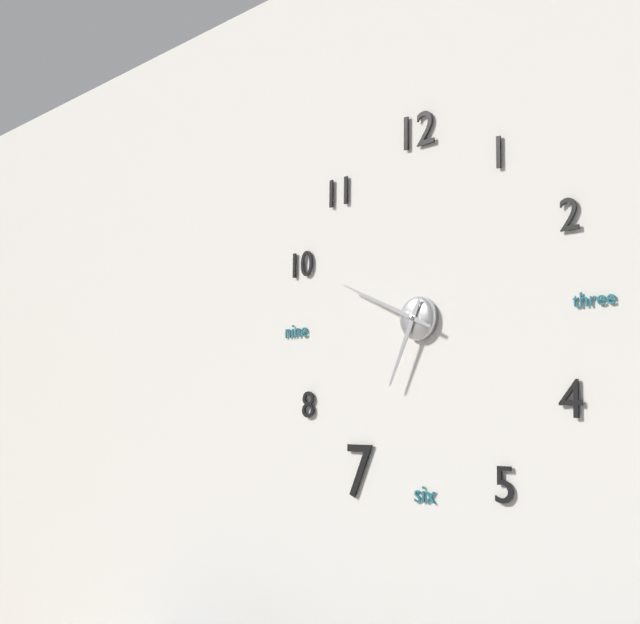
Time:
**6:49**
